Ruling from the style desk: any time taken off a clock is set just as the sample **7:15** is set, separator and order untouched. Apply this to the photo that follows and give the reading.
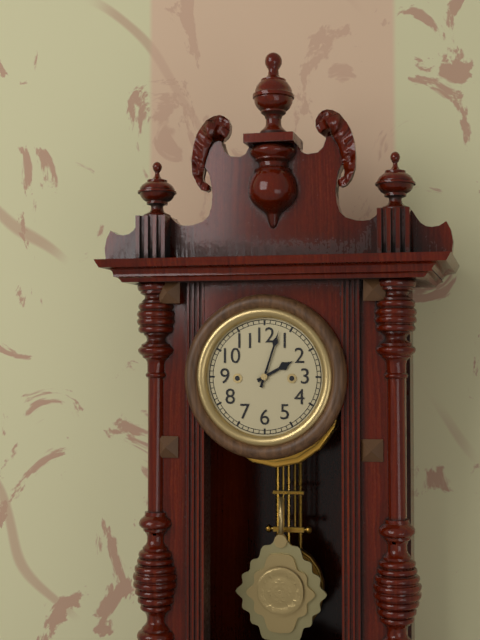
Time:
**2:03**
